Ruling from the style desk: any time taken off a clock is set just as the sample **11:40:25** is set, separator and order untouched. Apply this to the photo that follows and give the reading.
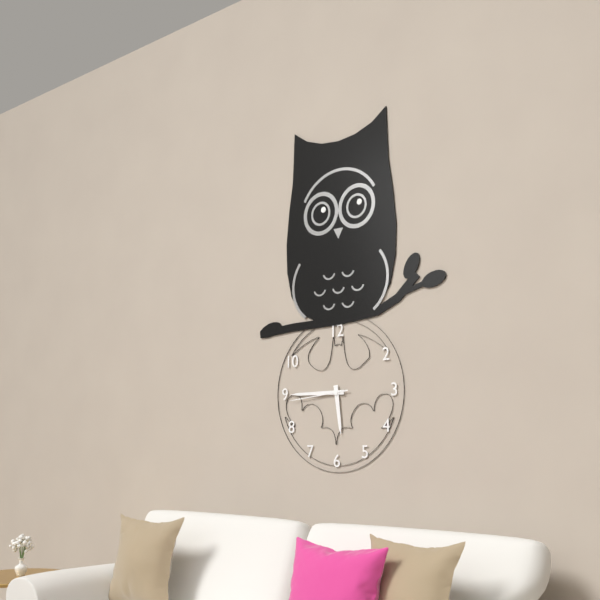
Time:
**5:45:44**
